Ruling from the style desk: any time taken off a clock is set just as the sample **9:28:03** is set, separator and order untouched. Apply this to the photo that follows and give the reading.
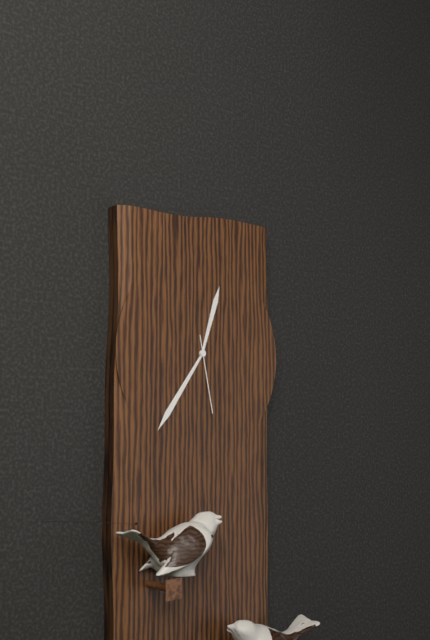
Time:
**12:36:28**
